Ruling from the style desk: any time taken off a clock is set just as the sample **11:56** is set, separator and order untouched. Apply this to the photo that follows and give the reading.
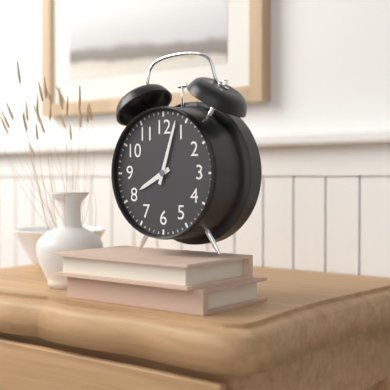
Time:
**8:03**
